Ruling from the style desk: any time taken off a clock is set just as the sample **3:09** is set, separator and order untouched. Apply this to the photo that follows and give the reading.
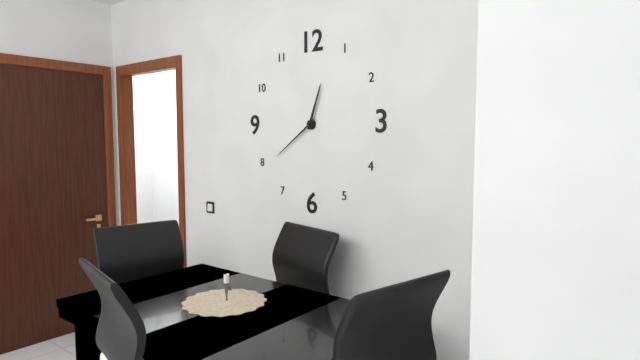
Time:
**12:39**
